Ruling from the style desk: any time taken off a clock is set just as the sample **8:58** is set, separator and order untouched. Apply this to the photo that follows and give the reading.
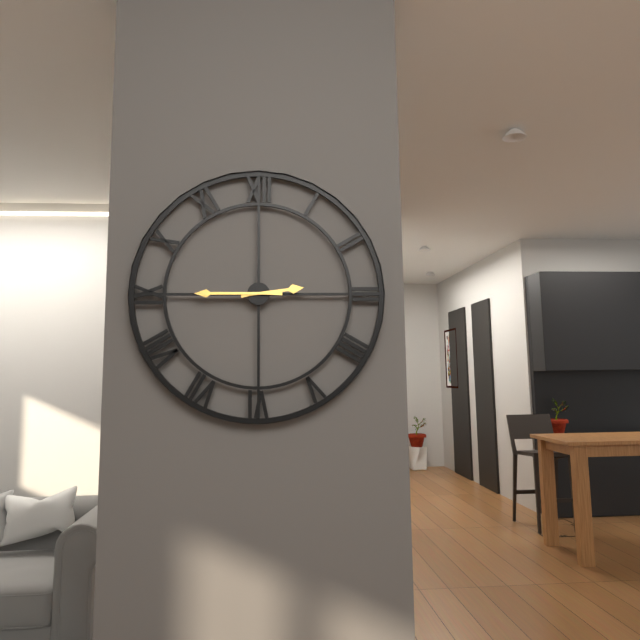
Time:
**2:45**
